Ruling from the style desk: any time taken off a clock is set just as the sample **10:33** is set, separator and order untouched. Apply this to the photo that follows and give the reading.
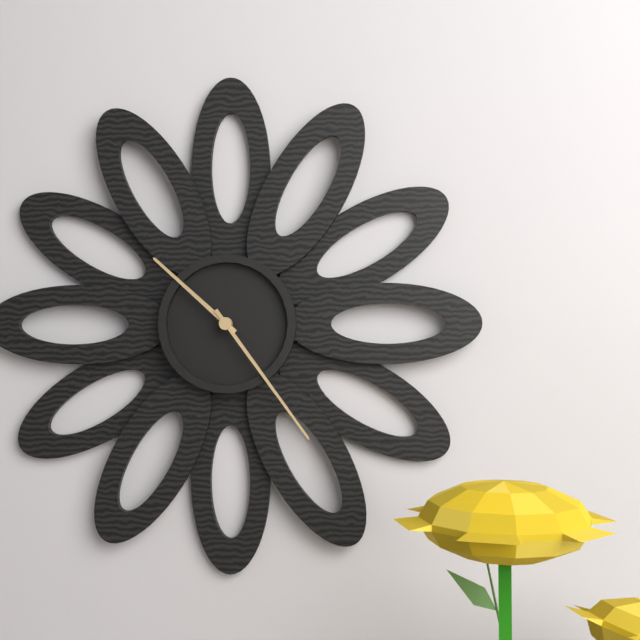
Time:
**10:24**
